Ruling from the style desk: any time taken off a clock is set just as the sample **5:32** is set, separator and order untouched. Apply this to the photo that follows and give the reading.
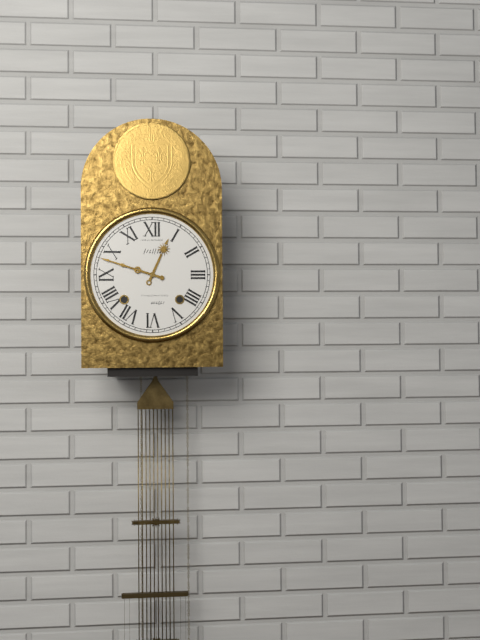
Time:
**12:48**
